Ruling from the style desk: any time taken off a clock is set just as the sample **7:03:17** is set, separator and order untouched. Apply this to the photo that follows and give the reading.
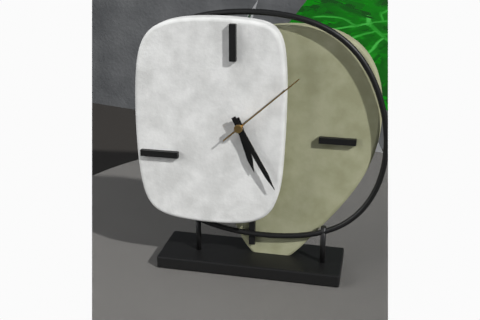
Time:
**5:25:08**
